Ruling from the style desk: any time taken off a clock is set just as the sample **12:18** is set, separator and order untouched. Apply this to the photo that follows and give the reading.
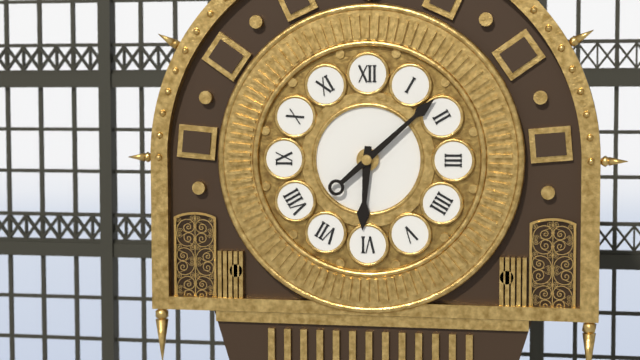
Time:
**6:08**
